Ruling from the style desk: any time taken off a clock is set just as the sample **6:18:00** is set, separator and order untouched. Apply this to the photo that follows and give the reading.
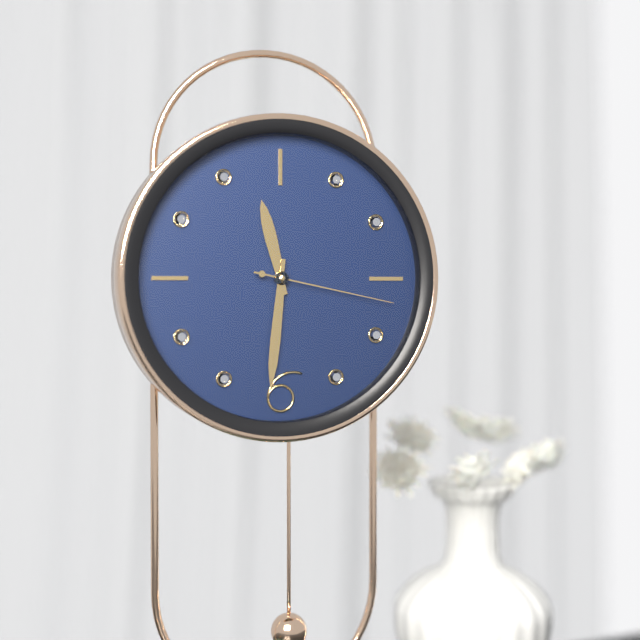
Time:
**11:31:17**
